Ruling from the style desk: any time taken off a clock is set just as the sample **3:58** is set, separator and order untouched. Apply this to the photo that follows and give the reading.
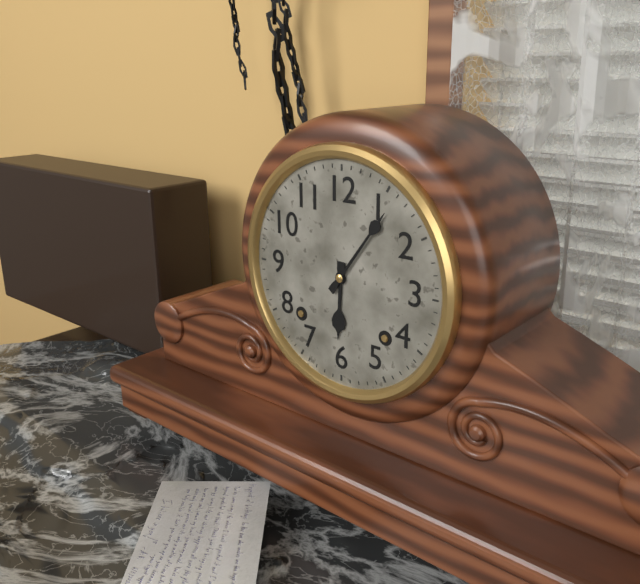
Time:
**6:06**
